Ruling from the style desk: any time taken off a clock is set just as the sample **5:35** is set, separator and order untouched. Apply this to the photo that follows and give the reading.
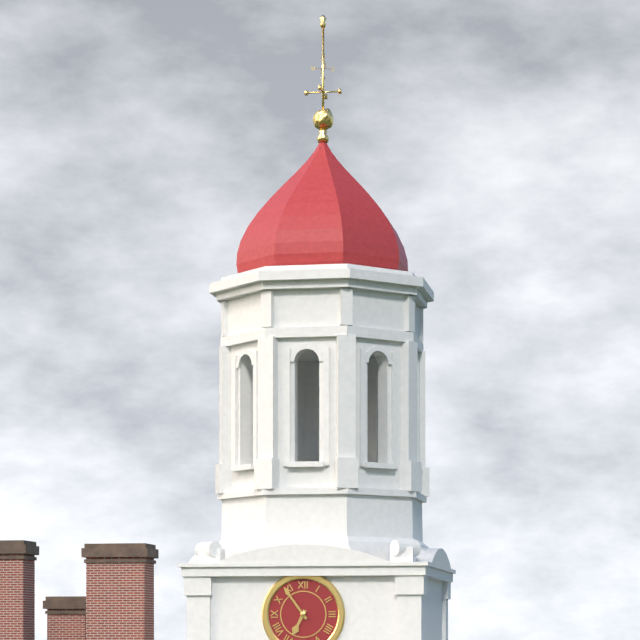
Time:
**6:54**
